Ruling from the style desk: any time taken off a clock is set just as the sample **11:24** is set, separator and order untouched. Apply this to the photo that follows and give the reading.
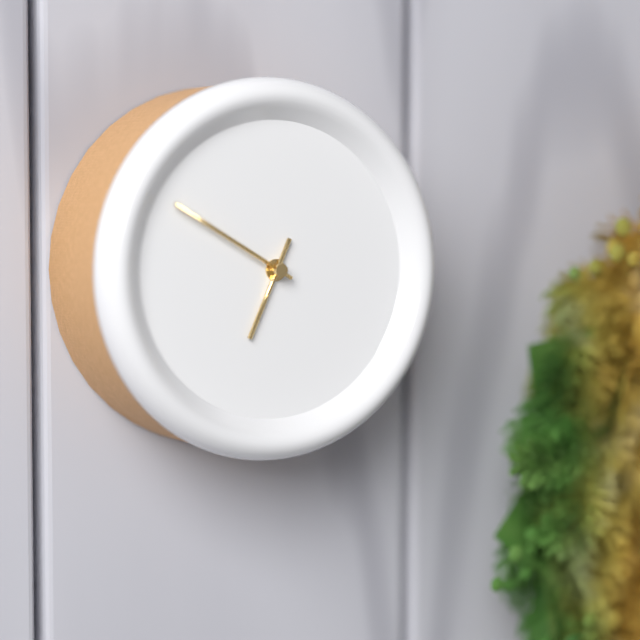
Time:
**6:50**
